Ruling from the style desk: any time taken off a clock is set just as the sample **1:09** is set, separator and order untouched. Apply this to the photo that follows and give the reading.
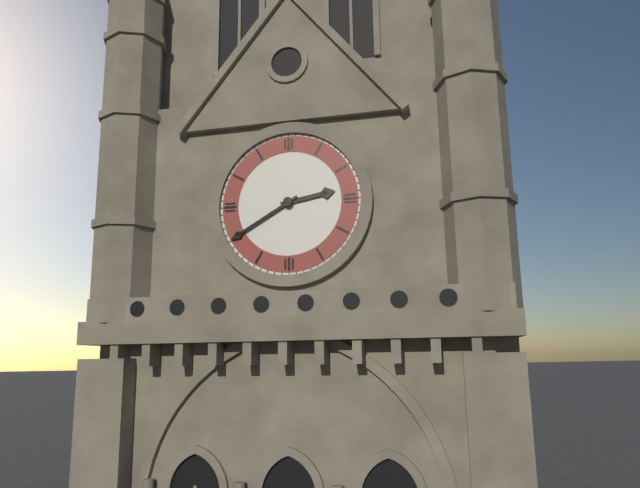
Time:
**2:40**
